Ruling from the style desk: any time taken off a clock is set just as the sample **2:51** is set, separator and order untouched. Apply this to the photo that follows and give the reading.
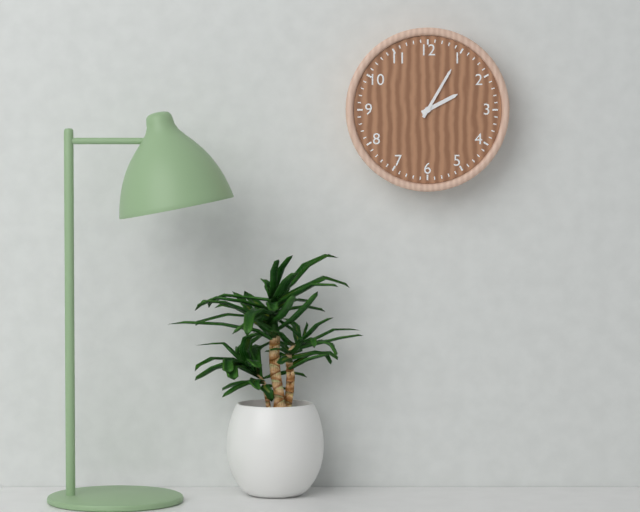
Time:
**2:05**
